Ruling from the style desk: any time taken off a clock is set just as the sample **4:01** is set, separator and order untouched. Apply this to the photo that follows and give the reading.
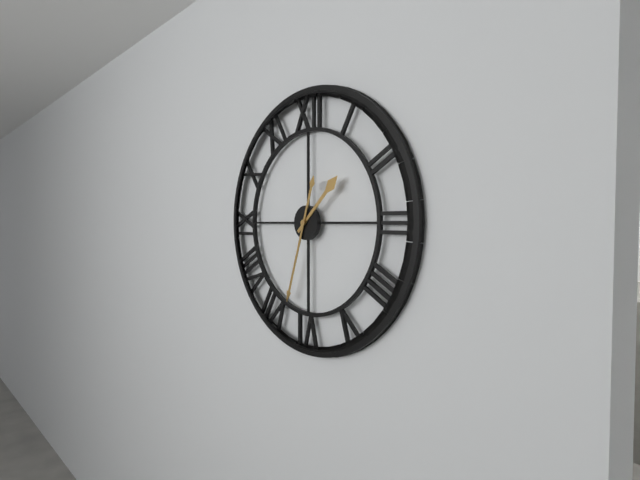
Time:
**1:33**
